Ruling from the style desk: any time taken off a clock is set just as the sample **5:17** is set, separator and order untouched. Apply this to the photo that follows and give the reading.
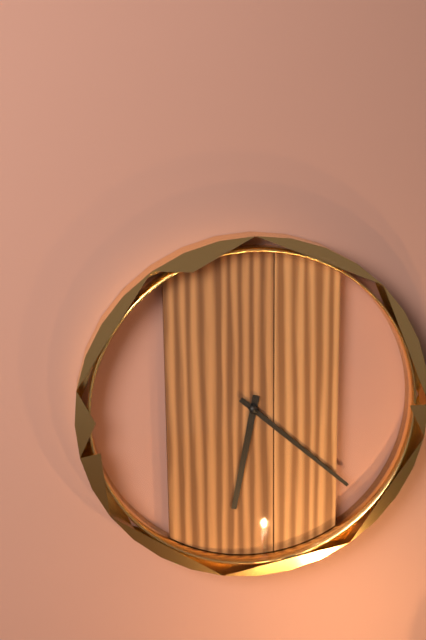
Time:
**6:22**
